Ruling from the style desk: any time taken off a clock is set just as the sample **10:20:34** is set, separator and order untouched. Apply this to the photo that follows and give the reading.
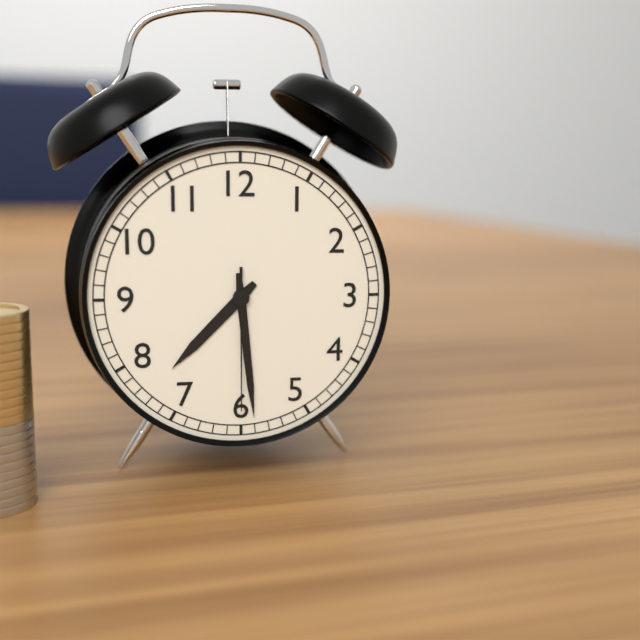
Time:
**7:29:30**
